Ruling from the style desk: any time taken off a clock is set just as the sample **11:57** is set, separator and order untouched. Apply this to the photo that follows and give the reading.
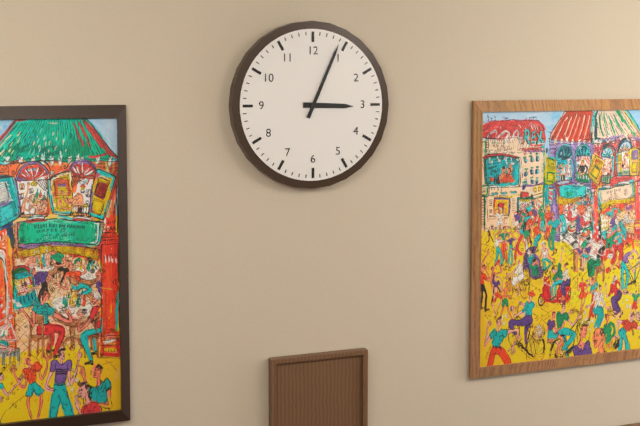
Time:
**3:04**
